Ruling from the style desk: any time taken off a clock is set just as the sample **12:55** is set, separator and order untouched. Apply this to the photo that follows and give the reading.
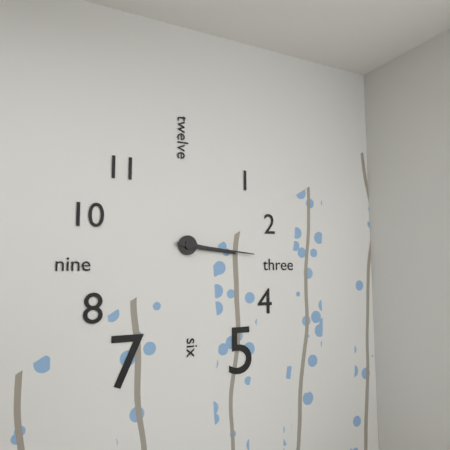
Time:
**3:16**
